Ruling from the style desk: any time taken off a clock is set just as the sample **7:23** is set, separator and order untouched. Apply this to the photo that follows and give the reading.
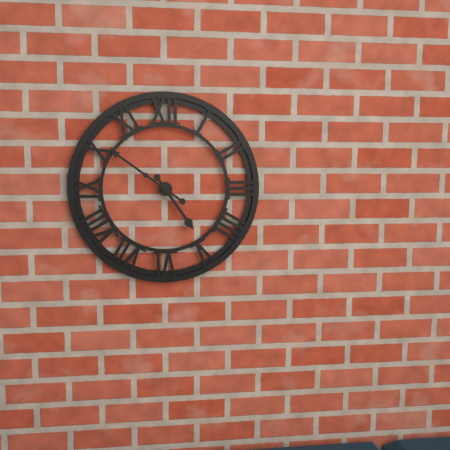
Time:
**4:51**
